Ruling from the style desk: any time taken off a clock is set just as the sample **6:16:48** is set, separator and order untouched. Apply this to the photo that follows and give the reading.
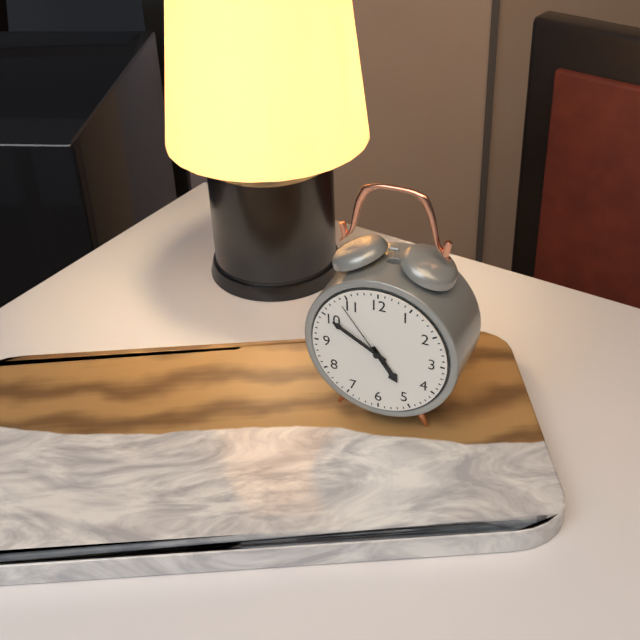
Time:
**4:50:54**
